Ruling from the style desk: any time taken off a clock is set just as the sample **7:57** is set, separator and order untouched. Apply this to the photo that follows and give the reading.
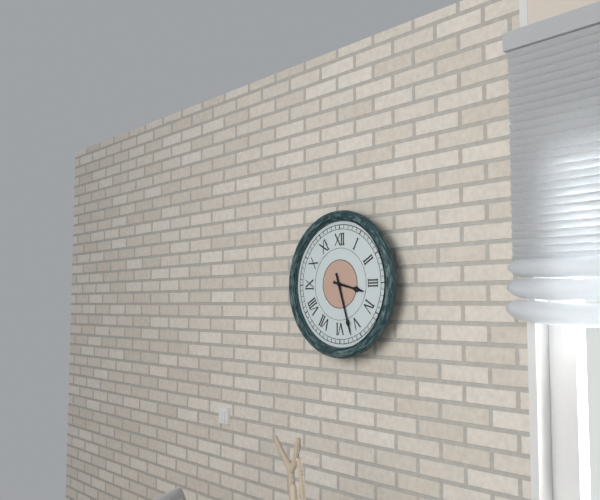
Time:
**3:27**
